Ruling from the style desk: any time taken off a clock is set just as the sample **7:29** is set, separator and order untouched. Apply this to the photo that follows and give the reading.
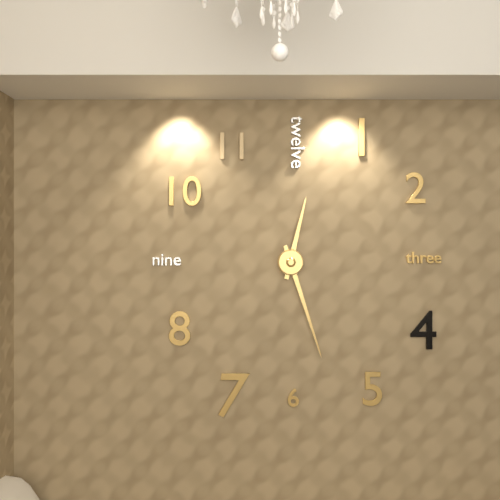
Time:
**12:27**
